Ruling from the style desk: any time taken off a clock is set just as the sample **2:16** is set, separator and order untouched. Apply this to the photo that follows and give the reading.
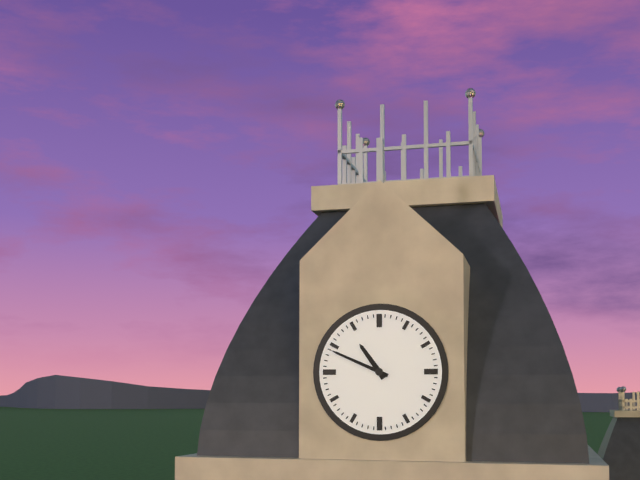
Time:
**10:49**
